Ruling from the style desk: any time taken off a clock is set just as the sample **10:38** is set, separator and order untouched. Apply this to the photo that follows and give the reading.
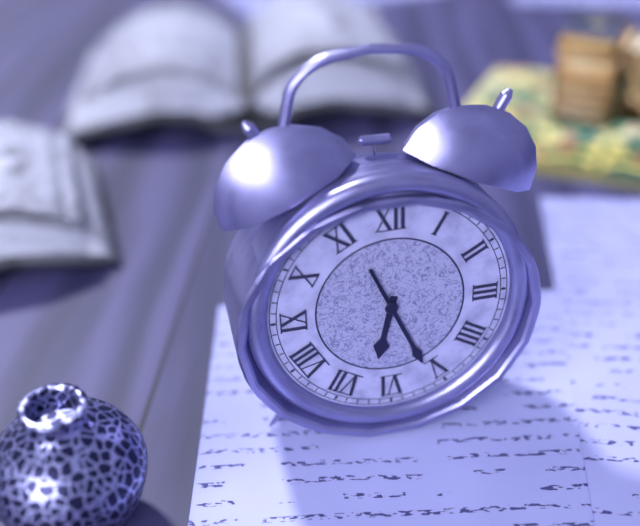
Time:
**6:26**
